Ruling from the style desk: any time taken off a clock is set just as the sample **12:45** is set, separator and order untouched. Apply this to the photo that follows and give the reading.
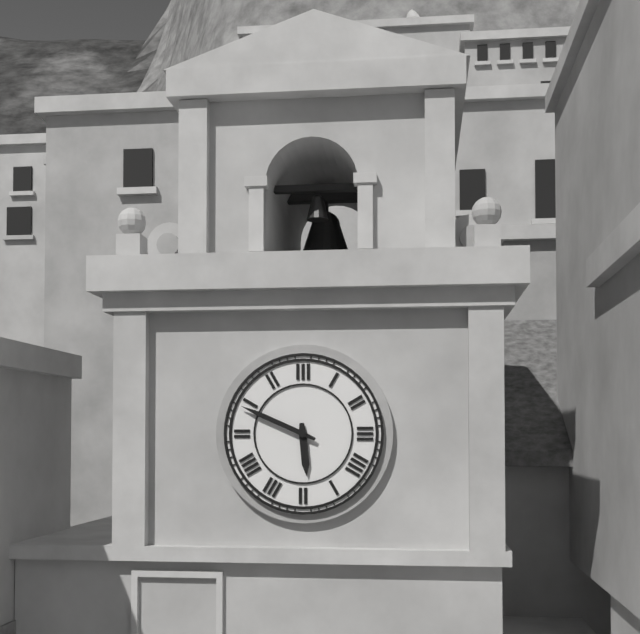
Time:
**5:49**
